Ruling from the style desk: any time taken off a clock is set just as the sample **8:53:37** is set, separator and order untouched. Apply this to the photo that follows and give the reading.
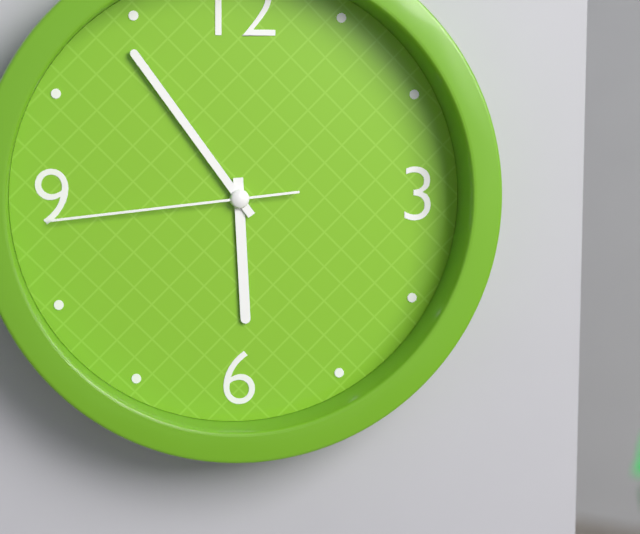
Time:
**5:54:44**
